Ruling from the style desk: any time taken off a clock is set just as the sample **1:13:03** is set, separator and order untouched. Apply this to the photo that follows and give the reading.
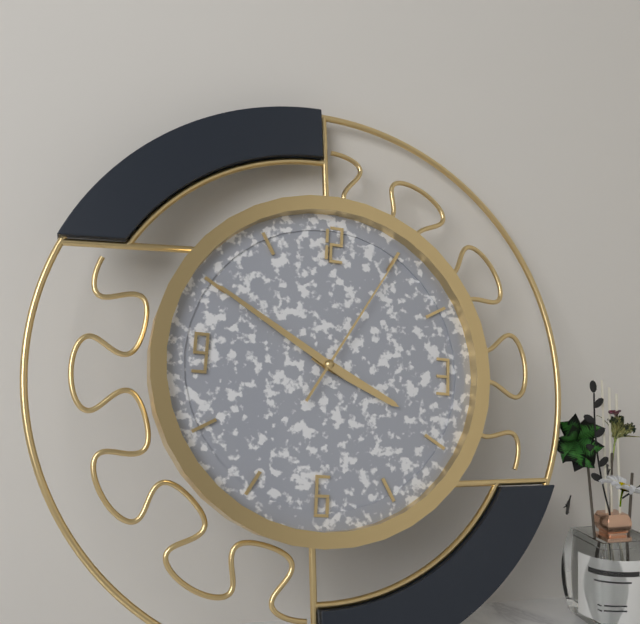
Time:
**3:50:05**
